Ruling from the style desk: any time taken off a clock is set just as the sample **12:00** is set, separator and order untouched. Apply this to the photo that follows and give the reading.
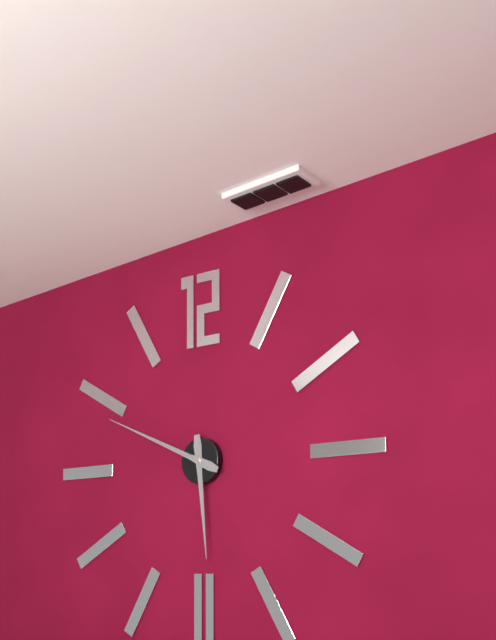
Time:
**5:49**
